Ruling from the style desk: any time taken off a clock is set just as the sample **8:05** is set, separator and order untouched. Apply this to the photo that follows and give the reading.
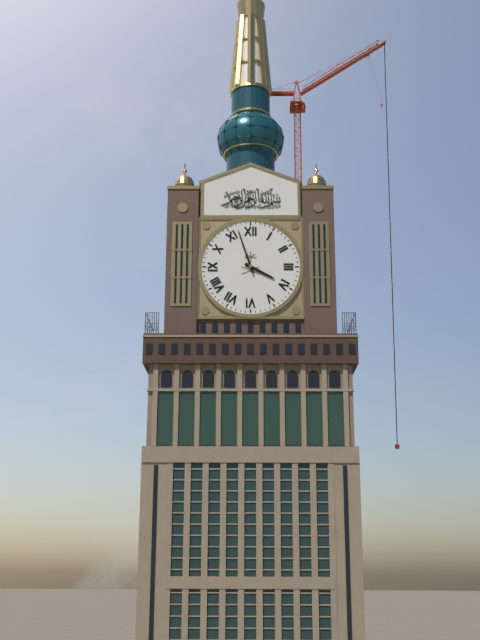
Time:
**3:57**
